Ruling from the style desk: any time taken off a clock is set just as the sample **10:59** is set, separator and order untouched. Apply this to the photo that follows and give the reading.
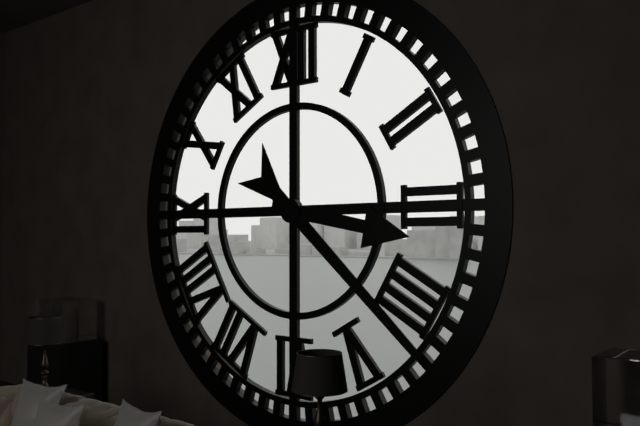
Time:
**3:22**
